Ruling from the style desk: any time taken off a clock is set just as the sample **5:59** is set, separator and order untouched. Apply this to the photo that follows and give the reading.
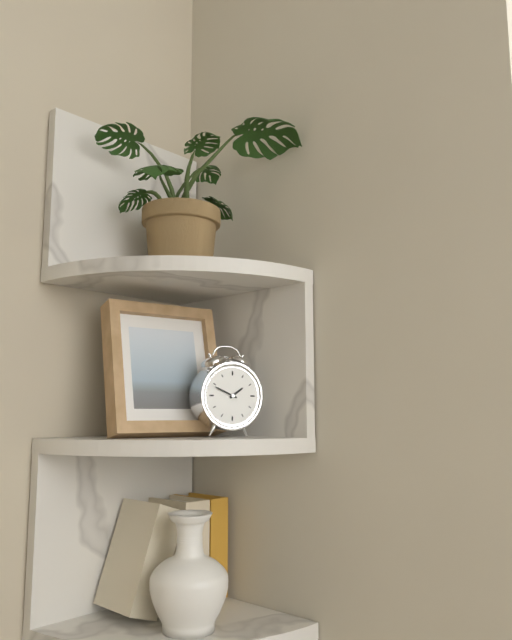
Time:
**1:49**
